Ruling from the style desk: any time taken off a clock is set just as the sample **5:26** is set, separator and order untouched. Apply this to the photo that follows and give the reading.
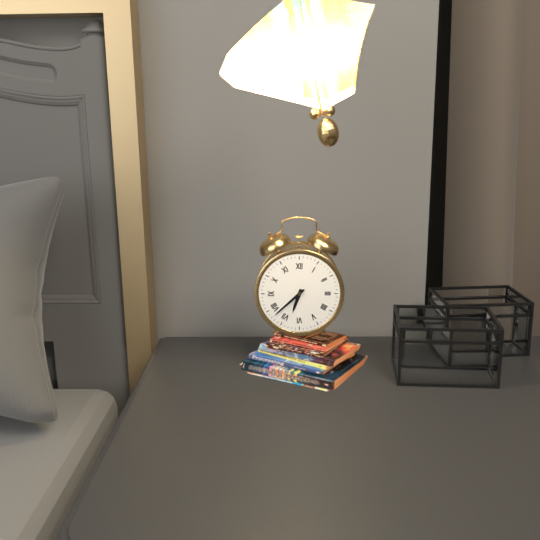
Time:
**6:38**
